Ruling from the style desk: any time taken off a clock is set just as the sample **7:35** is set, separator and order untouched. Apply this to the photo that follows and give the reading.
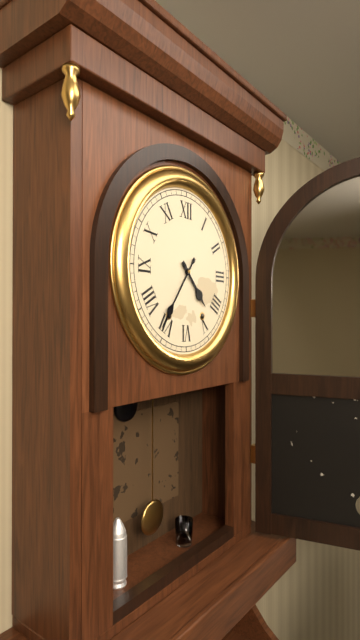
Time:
**4:36**
